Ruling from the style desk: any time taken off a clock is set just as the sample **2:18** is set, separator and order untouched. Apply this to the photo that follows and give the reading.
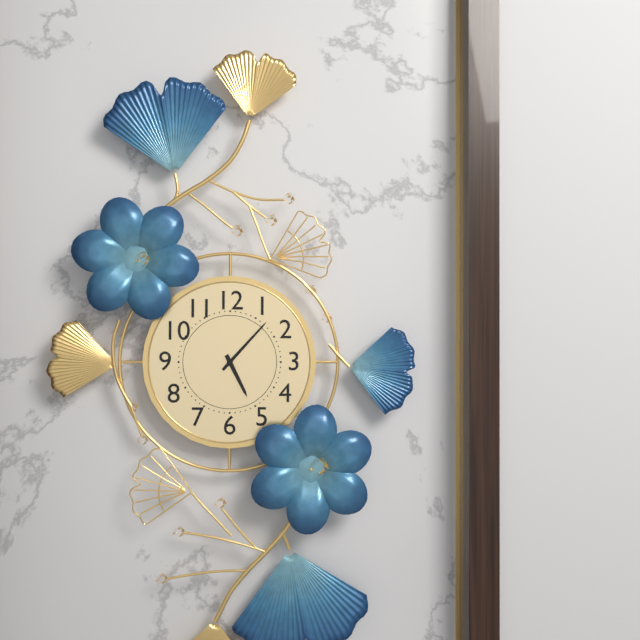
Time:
**5:07**
